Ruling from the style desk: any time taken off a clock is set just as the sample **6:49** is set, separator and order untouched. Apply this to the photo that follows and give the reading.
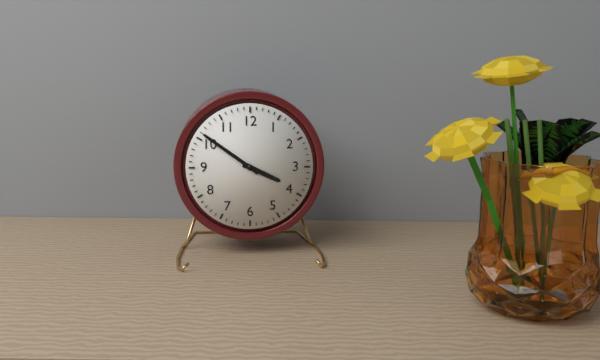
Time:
**3:51**
